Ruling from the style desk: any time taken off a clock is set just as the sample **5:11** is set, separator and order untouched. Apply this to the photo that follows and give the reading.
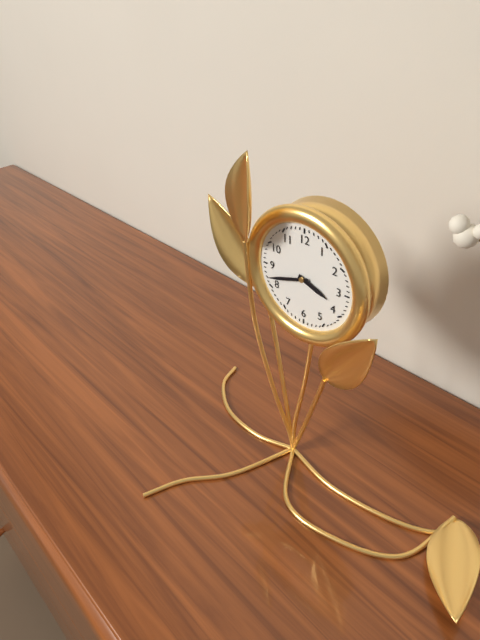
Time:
**3:42**
